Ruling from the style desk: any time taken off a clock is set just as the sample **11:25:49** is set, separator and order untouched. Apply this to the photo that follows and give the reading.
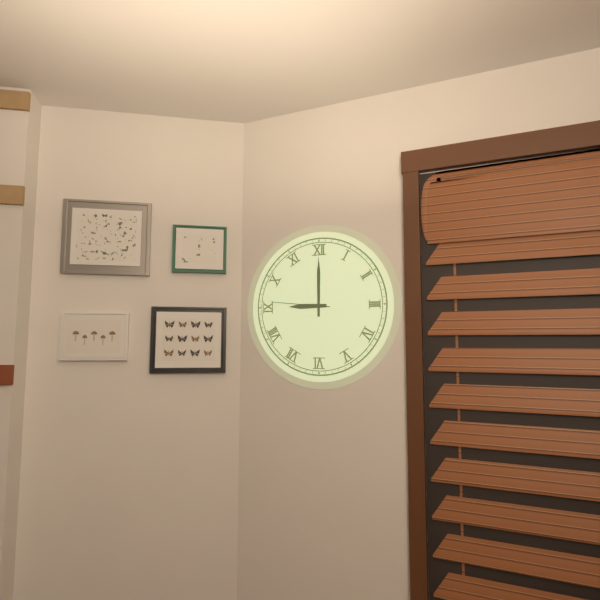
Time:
**9:00:46**
